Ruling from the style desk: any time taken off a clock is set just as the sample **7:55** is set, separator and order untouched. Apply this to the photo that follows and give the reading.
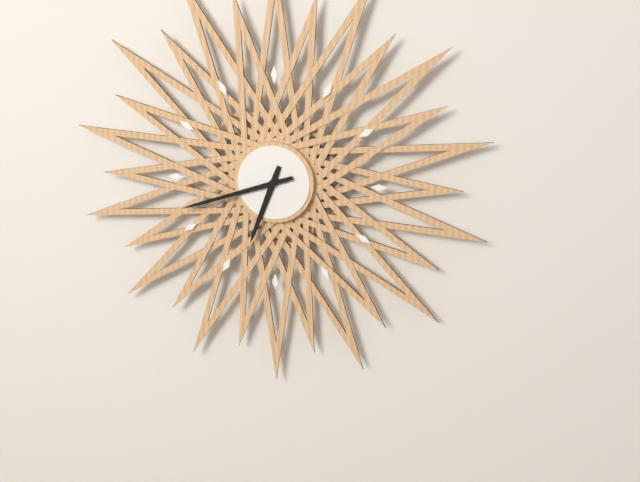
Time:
**6:42**
